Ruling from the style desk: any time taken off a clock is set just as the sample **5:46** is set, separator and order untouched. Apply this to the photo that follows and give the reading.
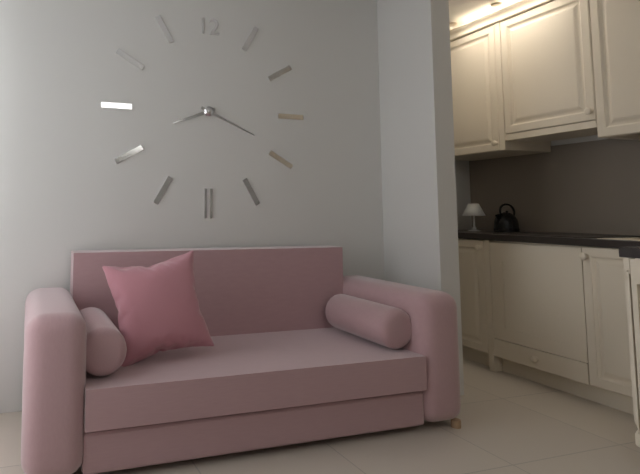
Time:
**8:19**
